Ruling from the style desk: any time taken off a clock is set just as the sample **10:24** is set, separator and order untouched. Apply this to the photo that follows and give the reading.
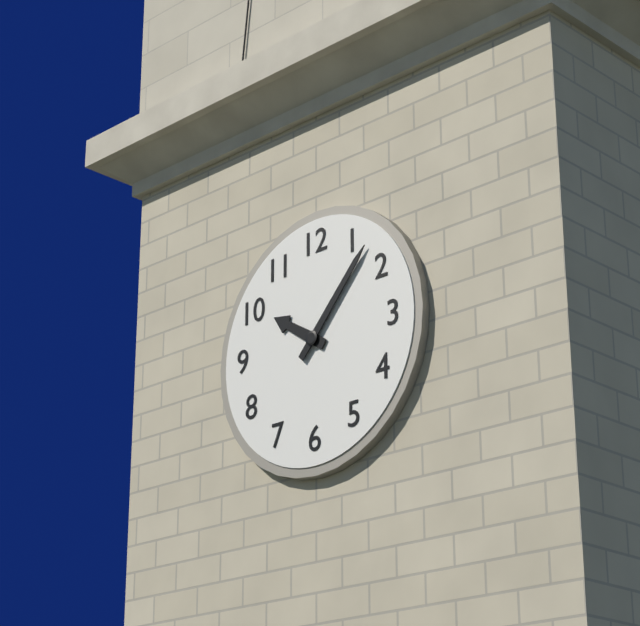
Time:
**10:07**
